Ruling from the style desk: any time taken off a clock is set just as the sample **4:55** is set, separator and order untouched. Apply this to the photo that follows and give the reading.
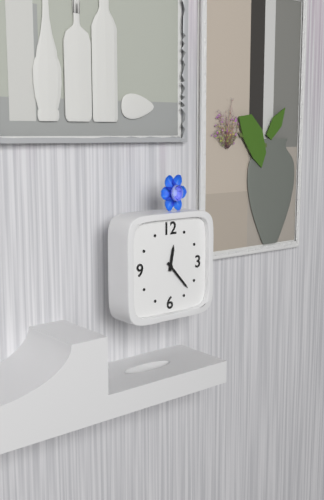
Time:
**12:23**
